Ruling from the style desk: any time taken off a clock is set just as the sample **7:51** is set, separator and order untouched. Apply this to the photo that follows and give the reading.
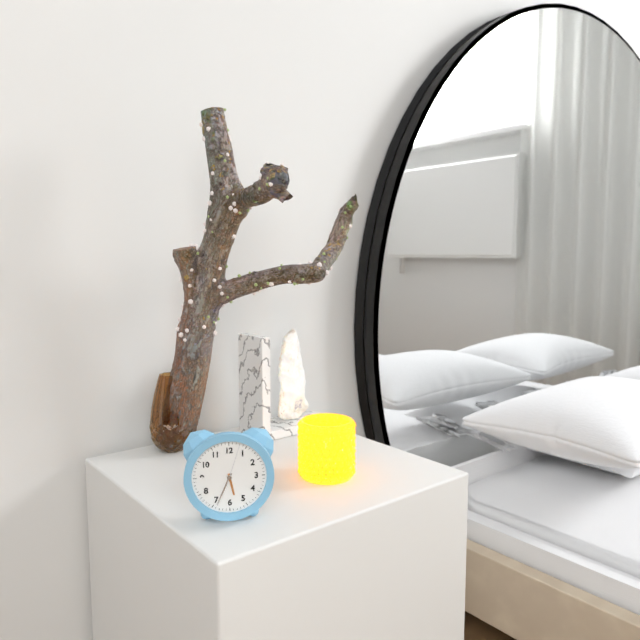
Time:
**5:34**
